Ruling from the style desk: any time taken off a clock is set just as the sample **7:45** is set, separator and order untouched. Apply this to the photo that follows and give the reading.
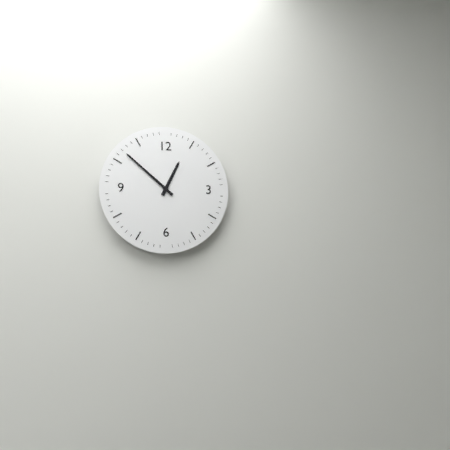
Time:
**12:52**
